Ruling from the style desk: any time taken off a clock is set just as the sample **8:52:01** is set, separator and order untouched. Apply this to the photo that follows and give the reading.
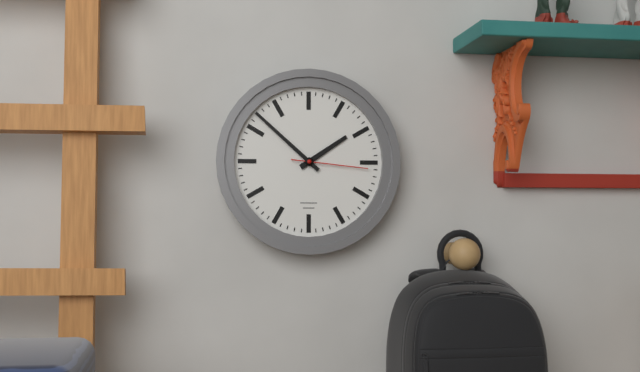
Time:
**1:52:16**
